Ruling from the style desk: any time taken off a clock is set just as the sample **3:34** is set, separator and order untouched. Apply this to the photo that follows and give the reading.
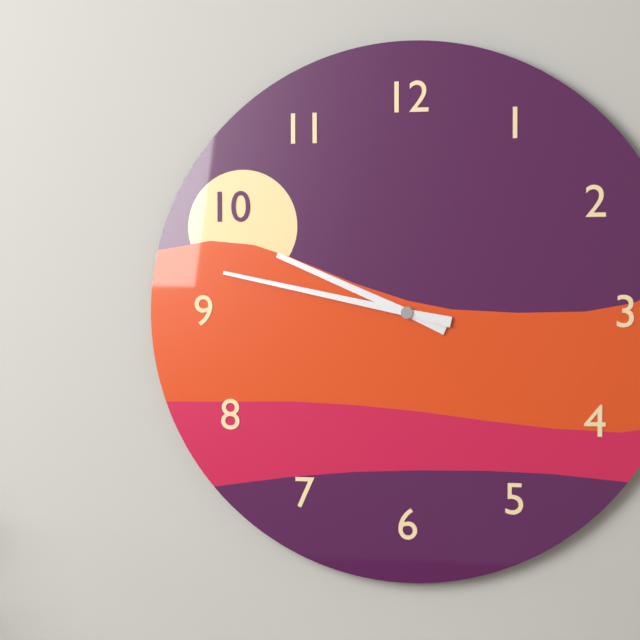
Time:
**9:47**
